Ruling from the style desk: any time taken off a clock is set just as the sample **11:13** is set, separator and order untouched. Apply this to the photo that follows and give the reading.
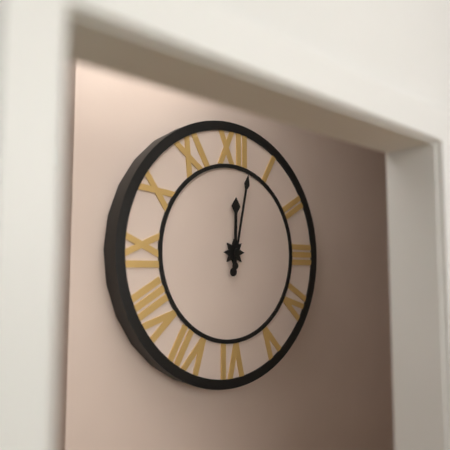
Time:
**12:02**
